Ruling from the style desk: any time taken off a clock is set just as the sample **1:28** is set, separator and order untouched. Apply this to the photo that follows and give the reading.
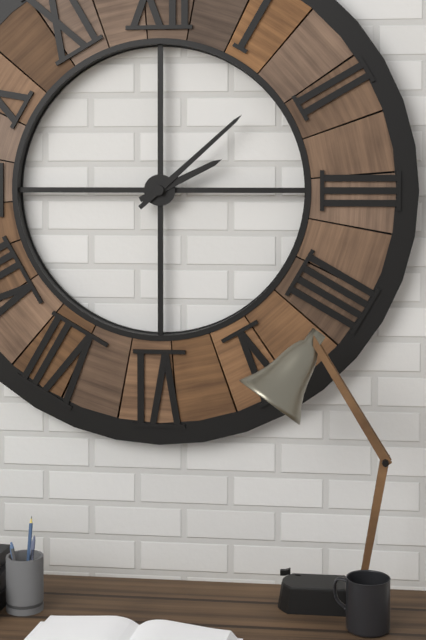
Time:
**2:08**
